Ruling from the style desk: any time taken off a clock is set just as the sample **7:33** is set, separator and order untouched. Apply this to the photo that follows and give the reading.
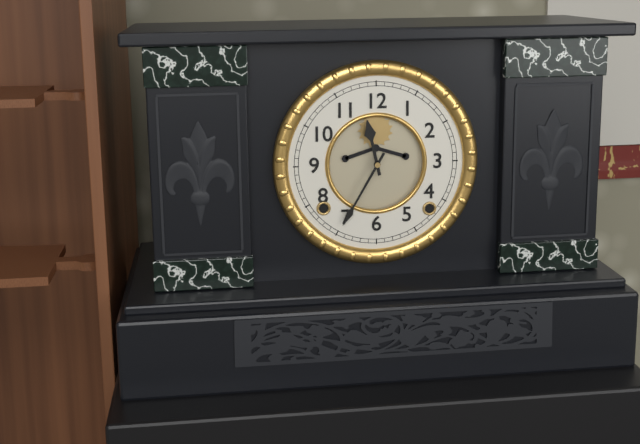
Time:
**11:35**
